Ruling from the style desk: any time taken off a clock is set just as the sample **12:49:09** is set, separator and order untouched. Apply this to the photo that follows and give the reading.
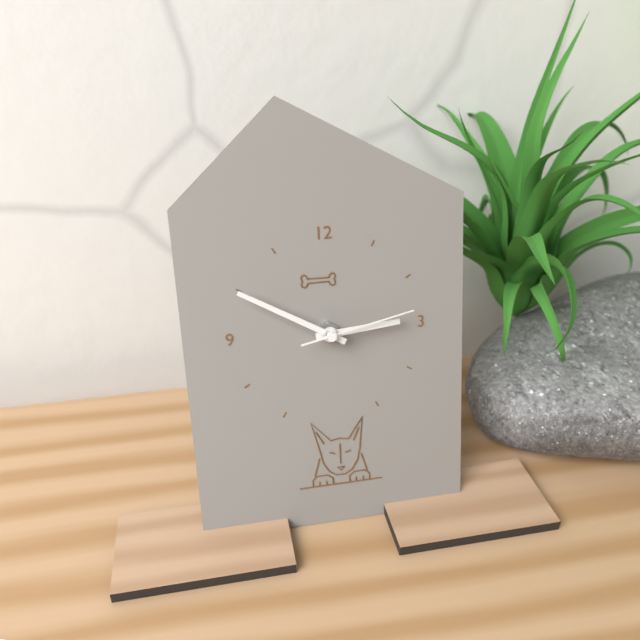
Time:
**2:50:13**
